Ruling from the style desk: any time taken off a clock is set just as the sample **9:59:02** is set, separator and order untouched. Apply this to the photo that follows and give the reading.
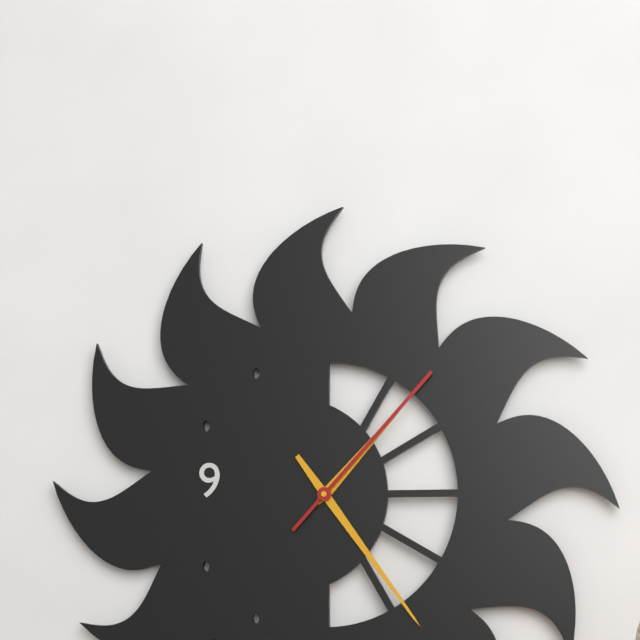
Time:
**1:24:07**
